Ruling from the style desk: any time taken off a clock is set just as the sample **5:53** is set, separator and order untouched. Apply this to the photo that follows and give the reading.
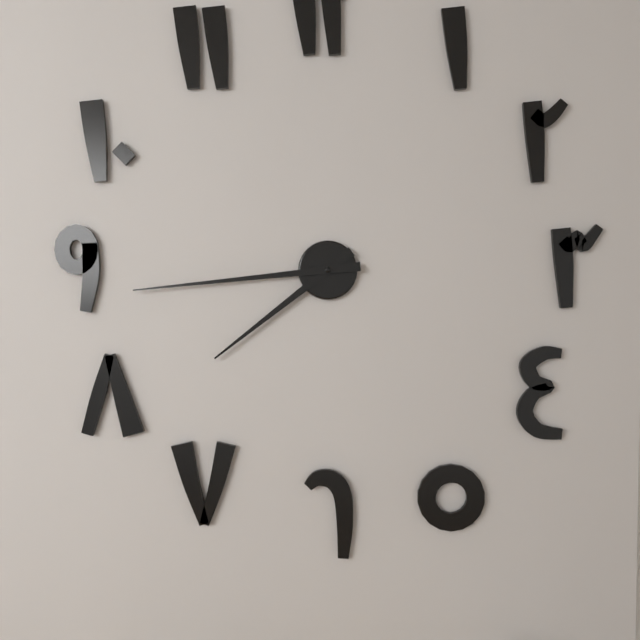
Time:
**7:44**
